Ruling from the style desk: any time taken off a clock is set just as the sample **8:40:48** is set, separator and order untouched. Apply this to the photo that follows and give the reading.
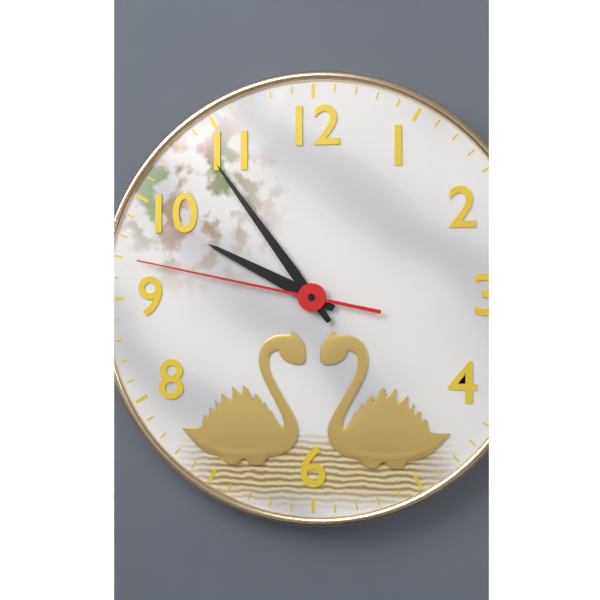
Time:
**9:54:47**
